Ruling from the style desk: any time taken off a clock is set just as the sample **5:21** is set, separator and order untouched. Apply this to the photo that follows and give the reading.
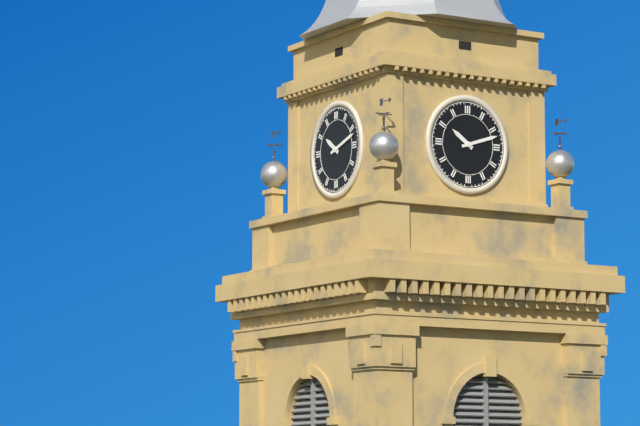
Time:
**10:12**
